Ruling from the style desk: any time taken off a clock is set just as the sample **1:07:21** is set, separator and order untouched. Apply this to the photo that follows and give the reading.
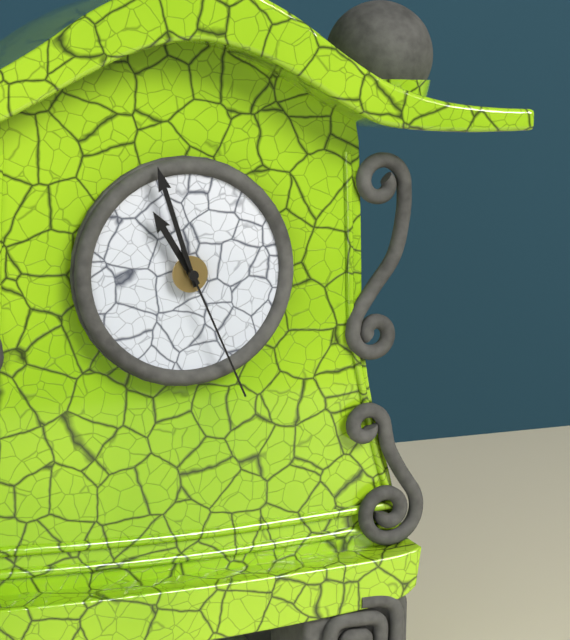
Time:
**10:57:26**
